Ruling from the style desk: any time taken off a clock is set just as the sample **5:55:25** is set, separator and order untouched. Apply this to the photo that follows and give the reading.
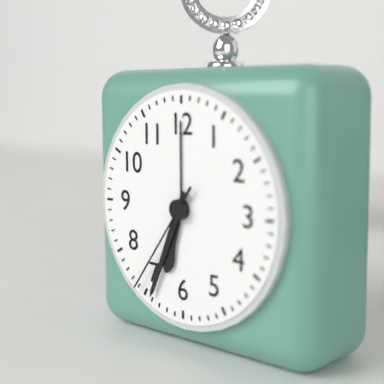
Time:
**6:34:36**
